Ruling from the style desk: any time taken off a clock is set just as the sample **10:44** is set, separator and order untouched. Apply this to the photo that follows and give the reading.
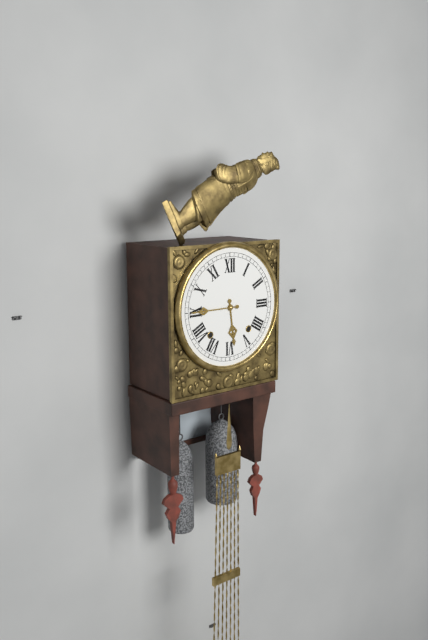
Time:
**5:45**
